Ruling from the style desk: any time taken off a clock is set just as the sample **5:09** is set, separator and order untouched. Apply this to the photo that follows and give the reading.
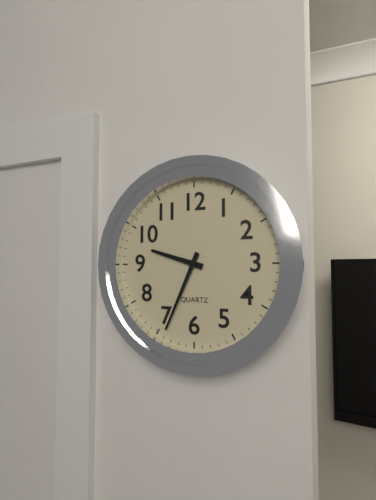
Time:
**9:34**
